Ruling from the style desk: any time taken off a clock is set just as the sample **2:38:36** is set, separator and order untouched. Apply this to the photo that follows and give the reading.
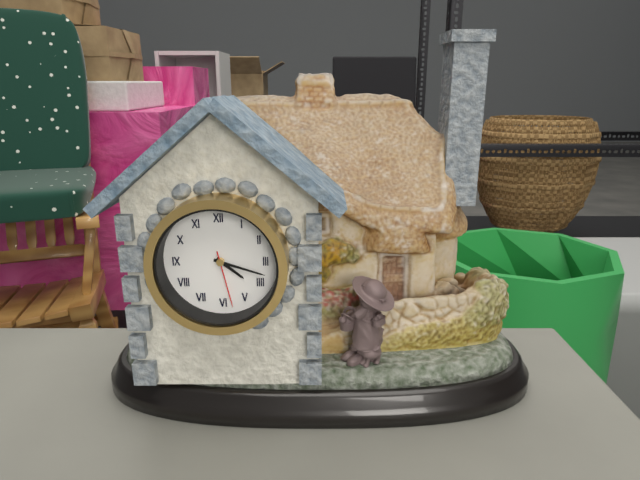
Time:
**4:18:28**
